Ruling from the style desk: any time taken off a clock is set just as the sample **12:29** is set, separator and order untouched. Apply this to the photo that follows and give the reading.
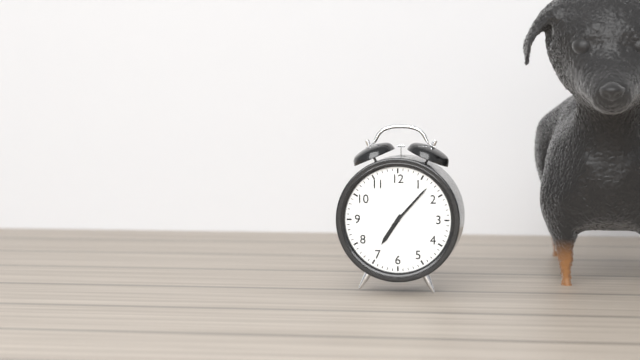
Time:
**7:07**
